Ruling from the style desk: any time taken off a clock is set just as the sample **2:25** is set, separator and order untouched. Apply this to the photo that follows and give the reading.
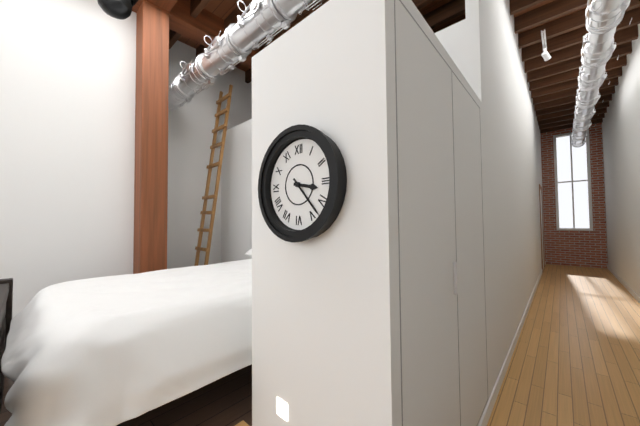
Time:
**3:23**
